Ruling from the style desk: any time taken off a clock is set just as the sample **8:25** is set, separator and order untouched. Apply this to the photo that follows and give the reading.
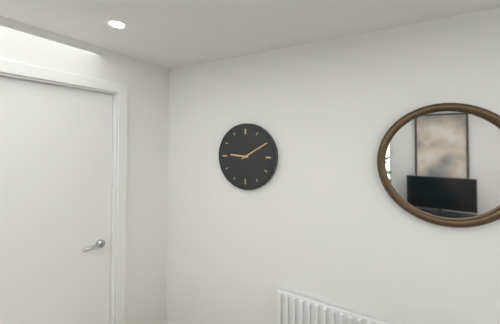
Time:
**9:10**
